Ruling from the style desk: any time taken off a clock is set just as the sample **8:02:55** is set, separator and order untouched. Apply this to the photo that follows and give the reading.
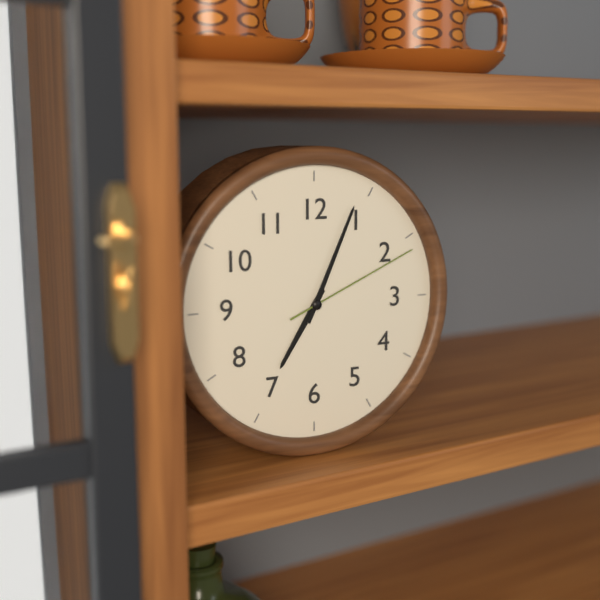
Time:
**7:04:11**
